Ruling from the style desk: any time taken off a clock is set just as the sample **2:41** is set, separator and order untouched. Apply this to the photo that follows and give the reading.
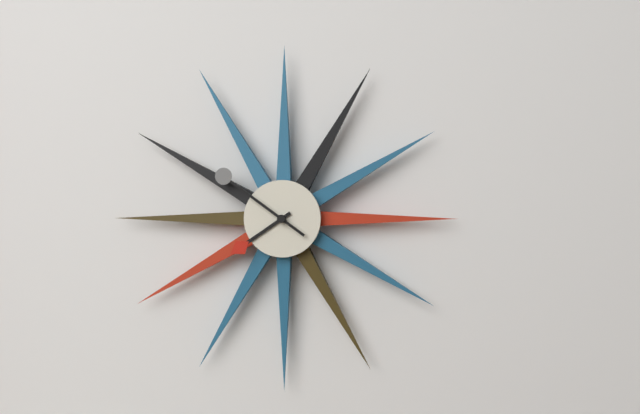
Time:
**7:51**
